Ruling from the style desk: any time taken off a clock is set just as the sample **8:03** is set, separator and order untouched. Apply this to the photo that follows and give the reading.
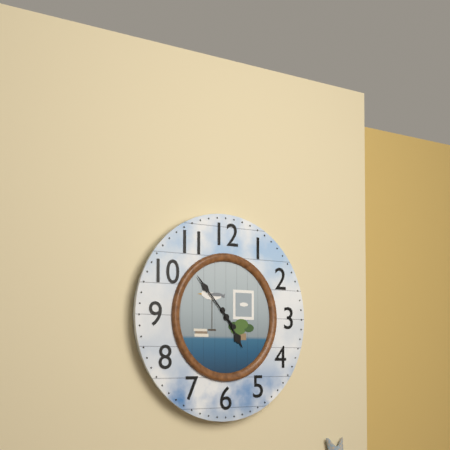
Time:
**4:53**
